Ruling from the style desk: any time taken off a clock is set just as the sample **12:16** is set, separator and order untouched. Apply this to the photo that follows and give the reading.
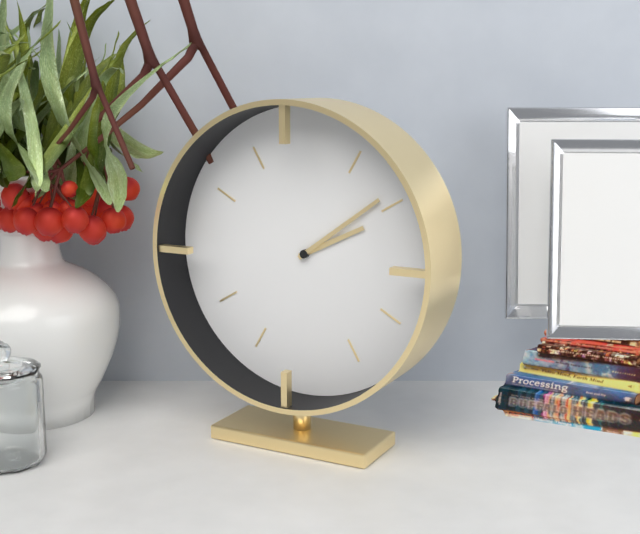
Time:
**2:09**
